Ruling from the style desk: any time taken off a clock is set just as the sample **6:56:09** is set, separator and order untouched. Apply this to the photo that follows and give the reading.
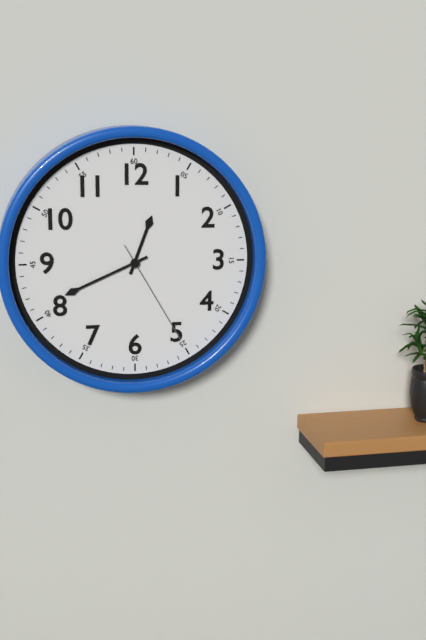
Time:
**12:41:25**
